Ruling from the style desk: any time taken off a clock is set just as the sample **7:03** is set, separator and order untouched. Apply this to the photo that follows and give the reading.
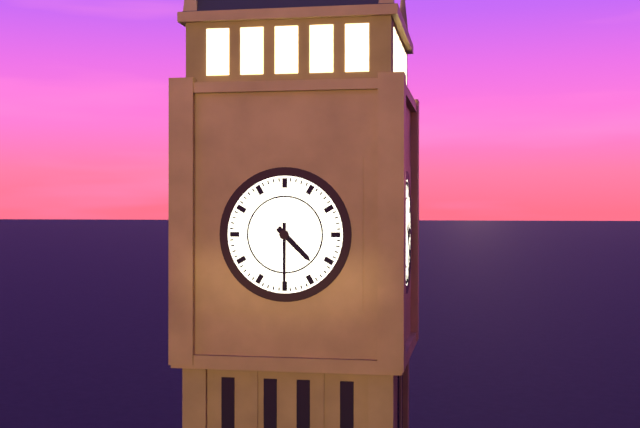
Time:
**4:30**
